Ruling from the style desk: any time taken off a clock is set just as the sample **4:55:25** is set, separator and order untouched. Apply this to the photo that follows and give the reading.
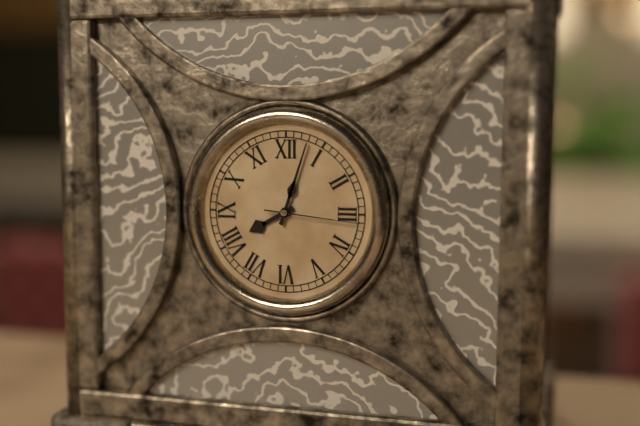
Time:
**8:03:16**
